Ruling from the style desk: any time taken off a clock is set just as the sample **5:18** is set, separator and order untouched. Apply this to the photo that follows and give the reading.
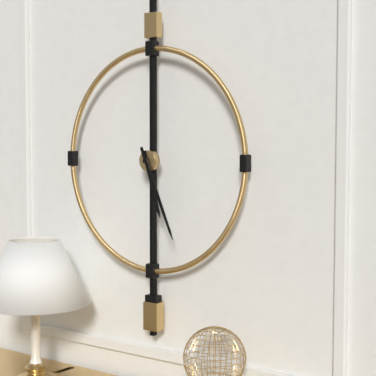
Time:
**5:26**
